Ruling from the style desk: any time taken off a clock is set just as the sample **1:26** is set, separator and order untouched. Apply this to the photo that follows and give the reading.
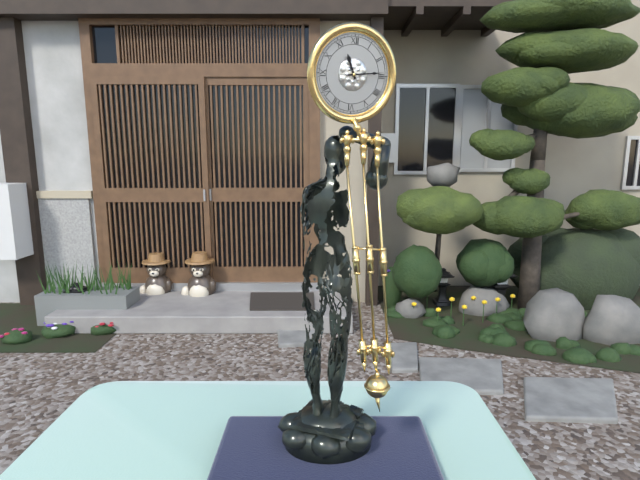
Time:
**11:14**
